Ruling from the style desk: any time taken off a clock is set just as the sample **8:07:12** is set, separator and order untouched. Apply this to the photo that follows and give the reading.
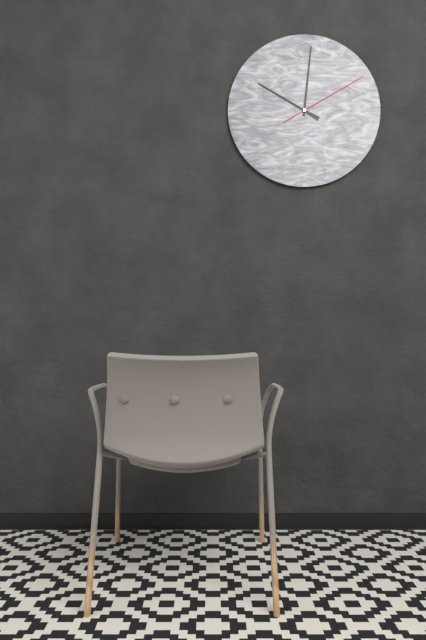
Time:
**10:01:10**
